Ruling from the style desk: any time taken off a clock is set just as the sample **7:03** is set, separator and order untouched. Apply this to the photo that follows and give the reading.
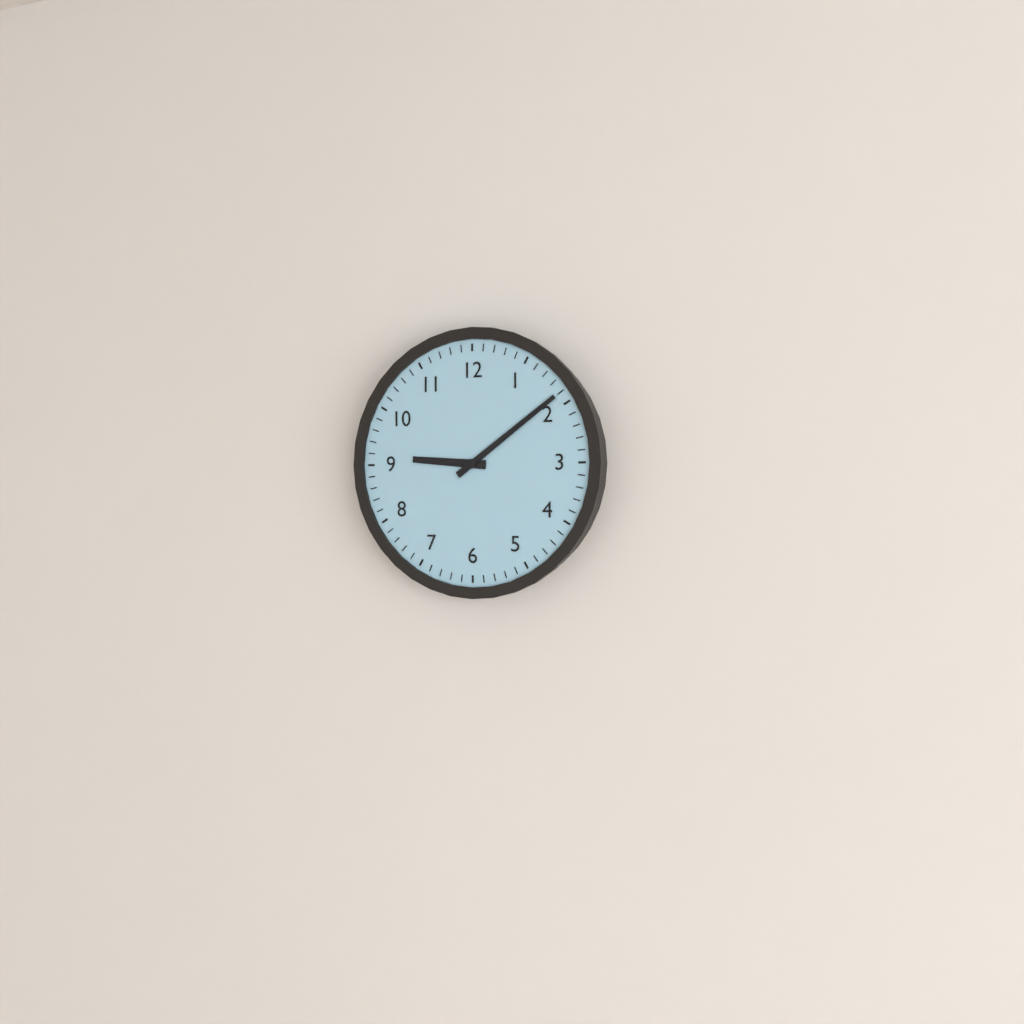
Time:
**9:09**
